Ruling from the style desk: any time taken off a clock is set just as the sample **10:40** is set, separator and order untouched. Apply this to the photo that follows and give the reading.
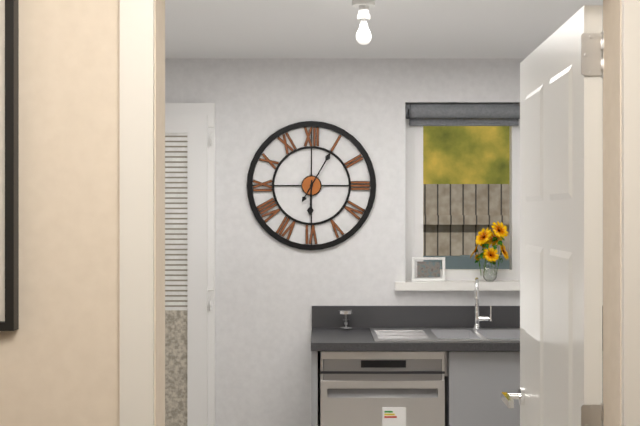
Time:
**6:05**
